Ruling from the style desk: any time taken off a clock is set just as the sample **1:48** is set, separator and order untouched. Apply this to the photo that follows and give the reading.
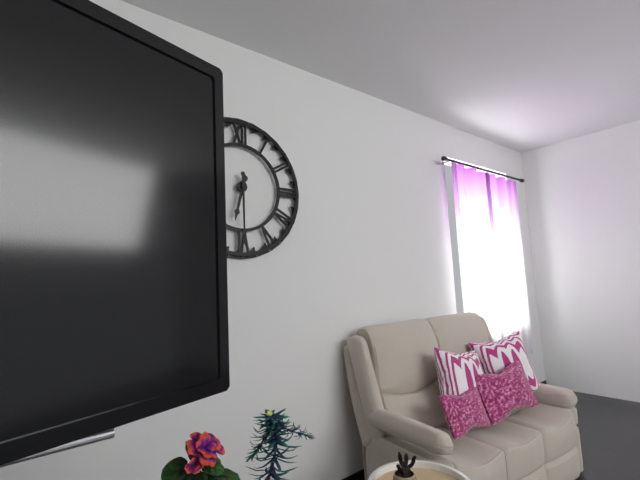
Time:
**6:30**
